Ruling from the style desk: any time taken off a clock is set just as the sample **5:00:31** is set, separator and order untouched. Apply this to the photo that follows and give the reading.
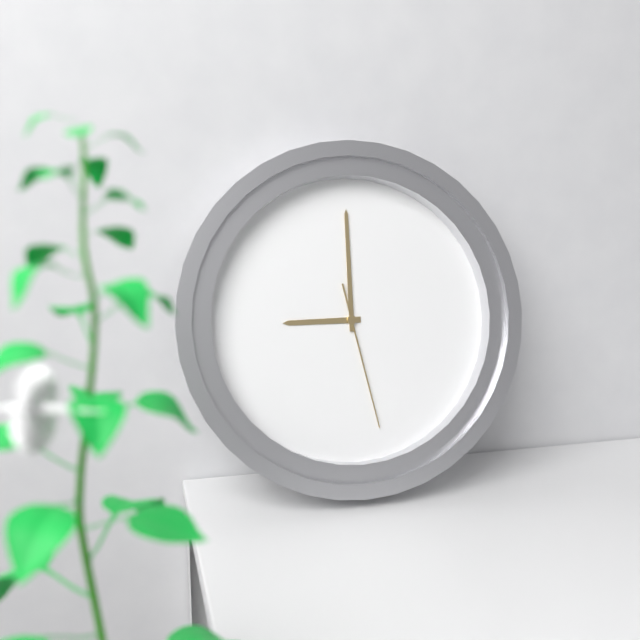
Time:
**9:00:28**
